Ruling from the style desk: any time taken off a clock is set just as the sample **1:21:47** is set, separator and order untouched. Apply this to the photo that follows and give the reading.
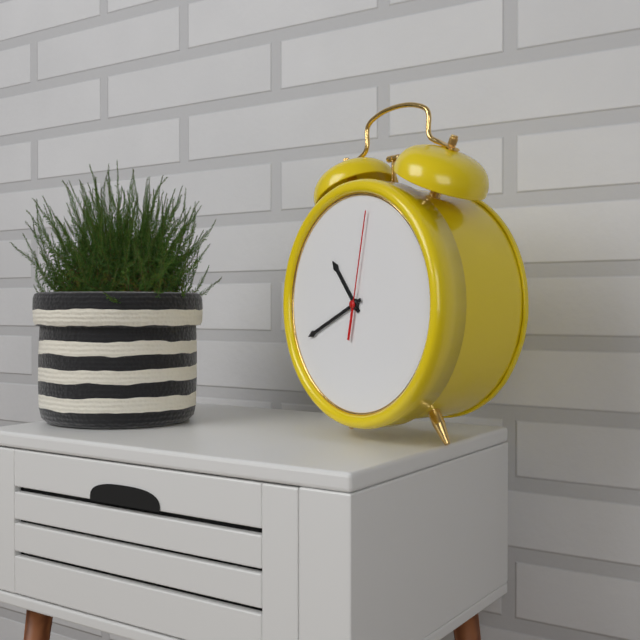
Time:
**10:41:02**
